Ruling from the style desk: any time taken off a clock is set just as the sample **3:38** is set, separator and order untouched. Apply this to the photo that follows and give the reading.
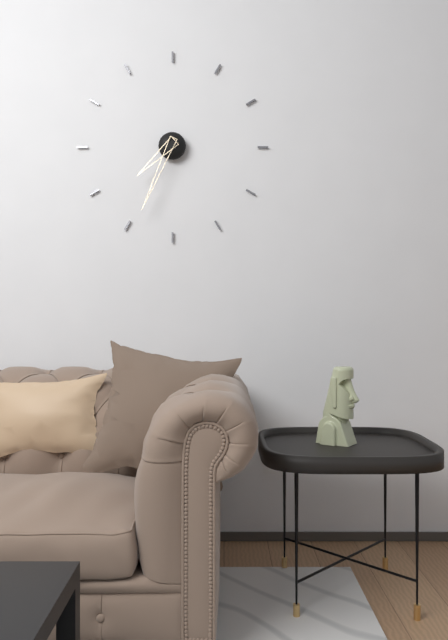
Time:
**7:34**
